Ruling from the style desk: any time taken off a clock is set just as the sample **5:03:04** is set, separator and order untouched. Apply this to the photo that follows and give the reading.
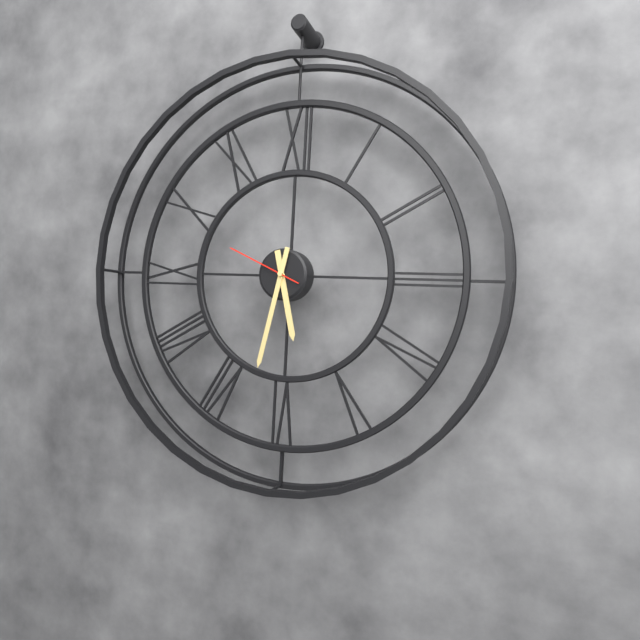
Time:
**5:32:49**
